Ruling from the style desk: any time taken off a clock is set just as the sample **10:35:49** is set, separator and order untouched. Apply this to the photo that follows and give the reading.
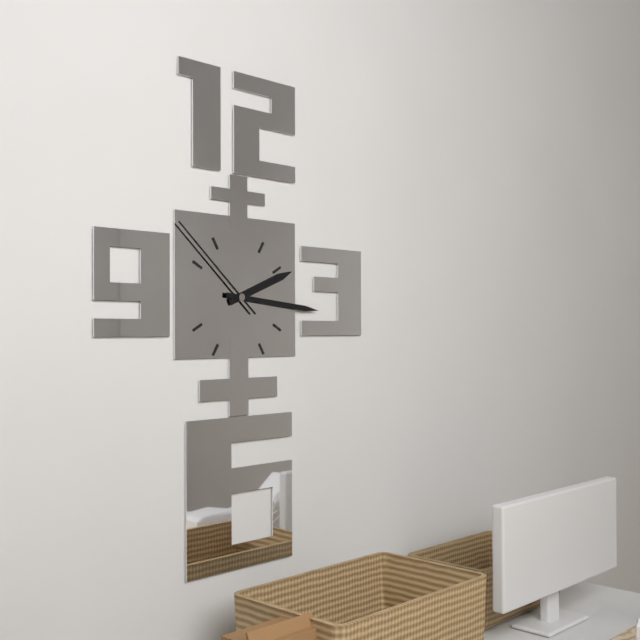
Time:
**2:16:52**
